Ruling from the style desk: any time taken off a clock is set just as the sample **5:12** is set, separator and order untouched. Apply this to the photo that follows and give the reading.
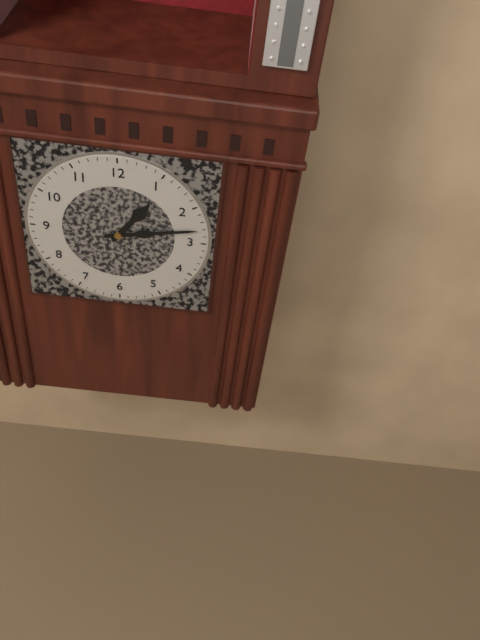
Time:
**1:13**
